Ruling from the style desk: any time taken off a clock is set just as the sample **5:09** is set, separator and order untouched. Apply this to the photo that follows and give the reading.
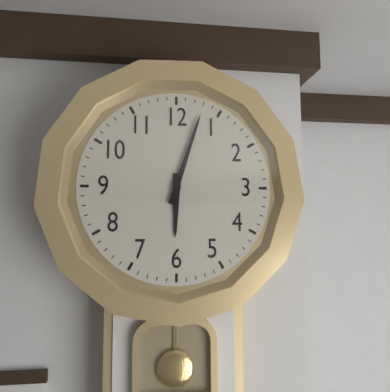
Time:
**6:03**
